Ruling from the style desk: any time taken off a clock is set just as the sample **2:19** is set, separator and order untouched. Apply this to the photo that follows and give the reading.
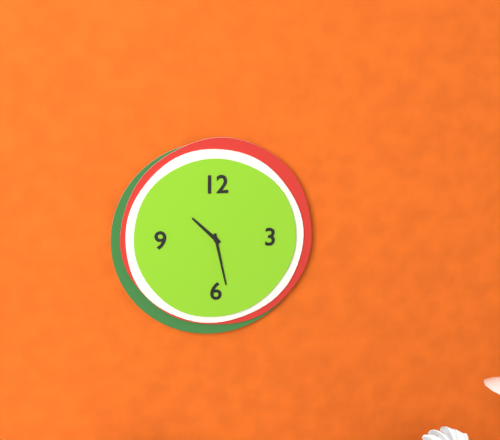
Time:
**10:28**
